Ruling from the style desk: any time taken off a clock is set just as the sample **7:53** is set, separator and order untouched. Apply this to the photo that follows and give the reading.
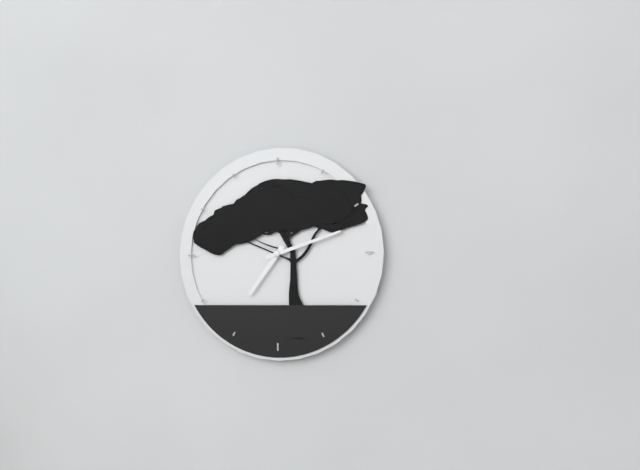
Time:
**7:12**
